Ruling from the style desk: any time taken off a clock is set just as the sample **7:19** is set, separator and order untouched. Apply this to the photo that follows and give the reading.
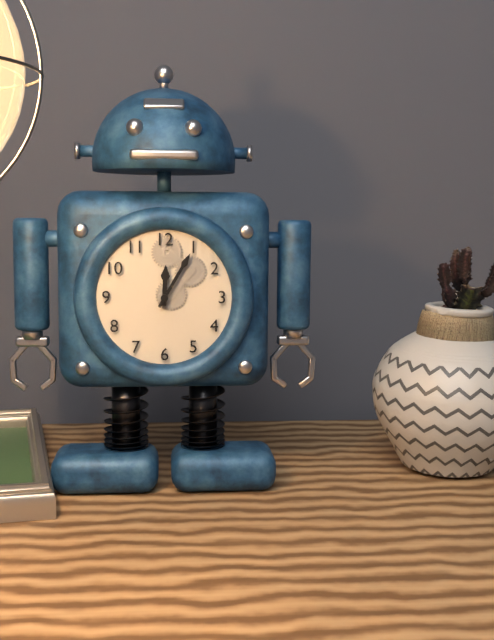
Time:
**12:05**
